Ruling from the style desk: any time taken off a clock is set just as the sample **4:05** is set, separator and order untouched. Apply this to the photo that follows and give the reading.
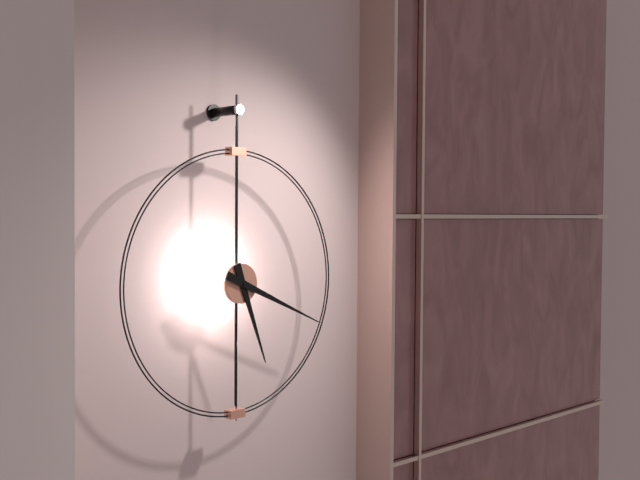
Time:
**5:19**
